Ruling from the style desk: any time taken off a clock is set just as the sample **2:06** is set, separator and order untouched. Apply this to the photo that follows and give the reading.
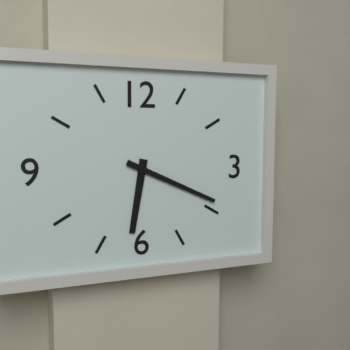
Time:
**6:19**
